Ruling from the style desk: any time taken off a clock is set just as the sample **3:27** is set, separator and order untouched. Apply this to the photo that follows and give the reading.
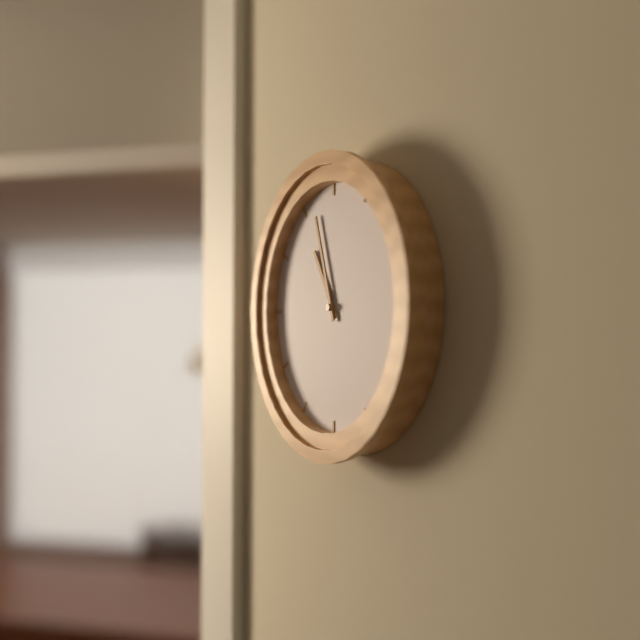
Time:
**10:57**
